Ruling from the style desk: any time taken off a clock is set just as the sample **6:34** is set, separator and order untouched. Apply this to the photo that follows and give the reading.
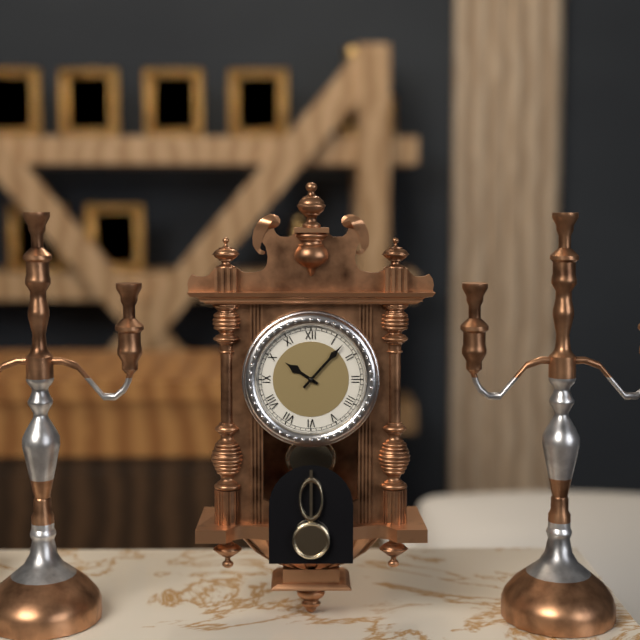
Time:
**10:07**
